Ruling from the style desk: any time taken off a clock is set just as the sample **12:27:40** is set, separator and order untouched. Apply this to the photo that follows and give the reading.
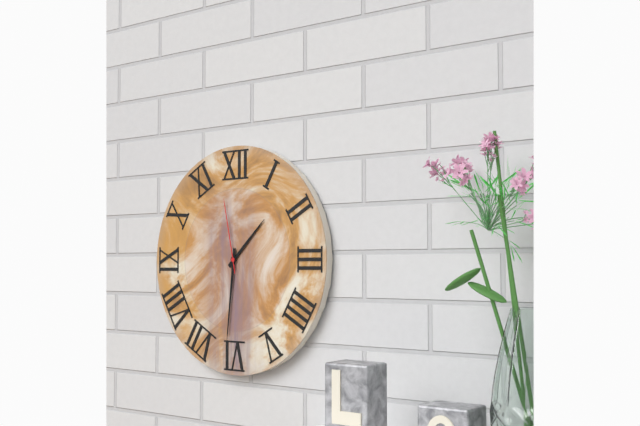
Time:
**1:31:58**
